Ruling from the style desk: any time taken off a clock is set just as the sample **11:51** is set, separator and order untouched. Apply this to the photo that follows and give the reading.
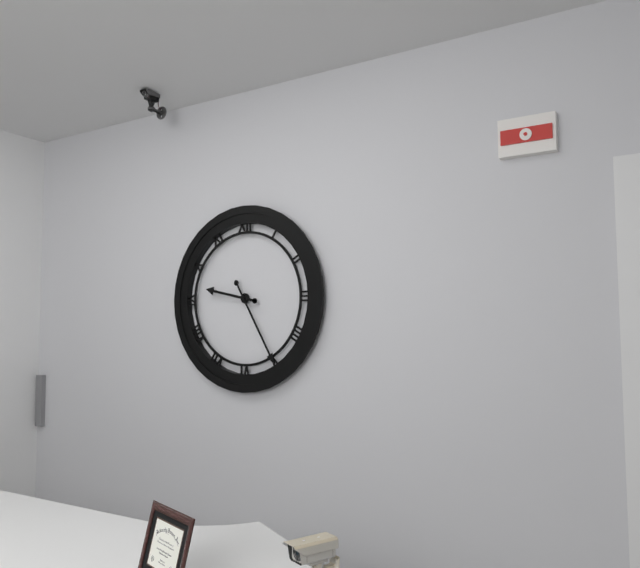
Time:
**9:25**
